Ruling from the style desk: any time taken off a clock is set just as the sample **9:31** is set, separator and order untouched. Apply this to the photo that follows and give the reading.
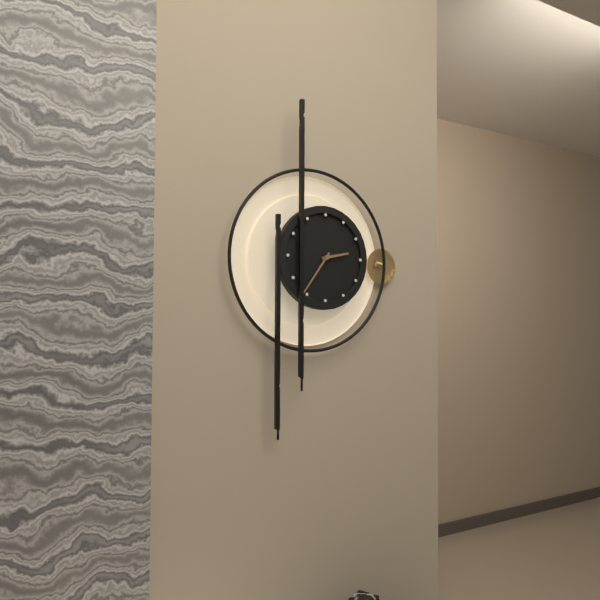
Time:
**2:36**
